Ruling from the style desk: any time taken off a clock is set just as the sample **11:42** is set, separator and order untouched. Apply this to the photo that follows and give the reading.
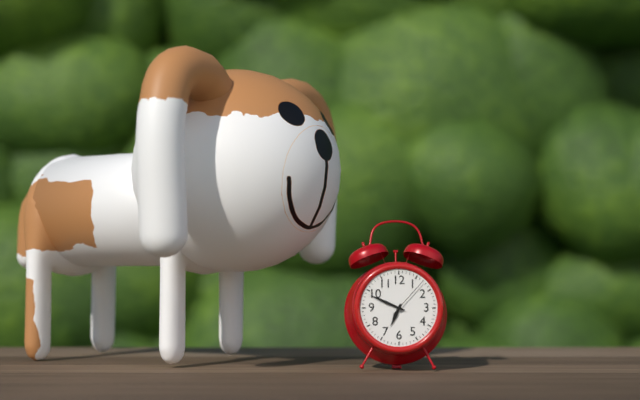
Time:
**6:49**
